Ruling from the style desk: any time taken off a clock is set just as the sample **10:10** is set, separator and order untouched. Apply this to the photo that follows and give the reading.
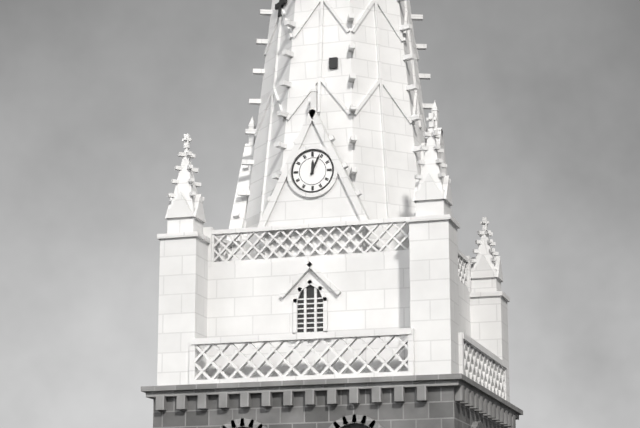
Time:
**12:04**
